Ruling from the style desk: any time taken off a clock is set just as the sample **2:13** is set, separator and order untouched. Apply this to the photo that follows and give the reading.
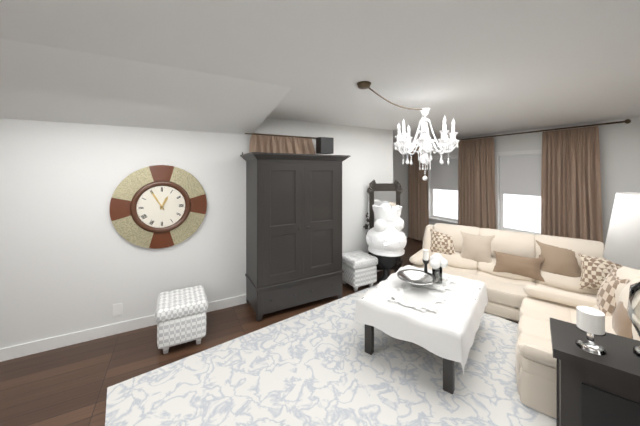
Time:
**12:55**
